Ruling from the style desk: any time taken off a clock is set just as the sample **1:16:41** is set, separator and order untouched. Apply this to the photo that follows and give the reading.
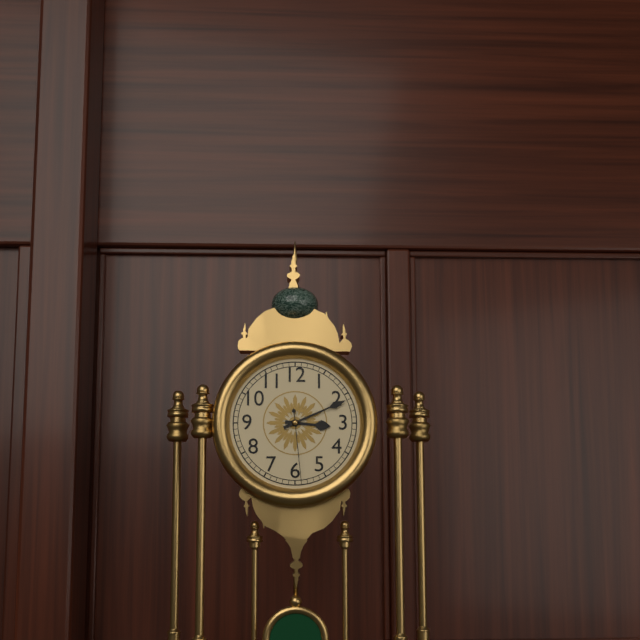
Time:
**3:11:29**
